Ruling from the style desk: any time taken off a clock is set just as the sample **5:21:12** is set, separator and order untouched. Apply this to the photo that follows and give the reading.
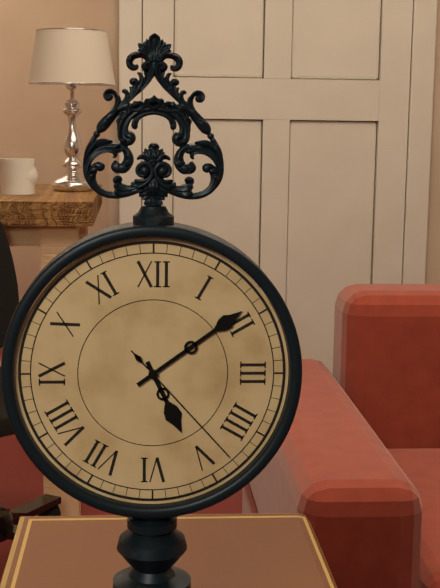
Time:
**5:09:23**
